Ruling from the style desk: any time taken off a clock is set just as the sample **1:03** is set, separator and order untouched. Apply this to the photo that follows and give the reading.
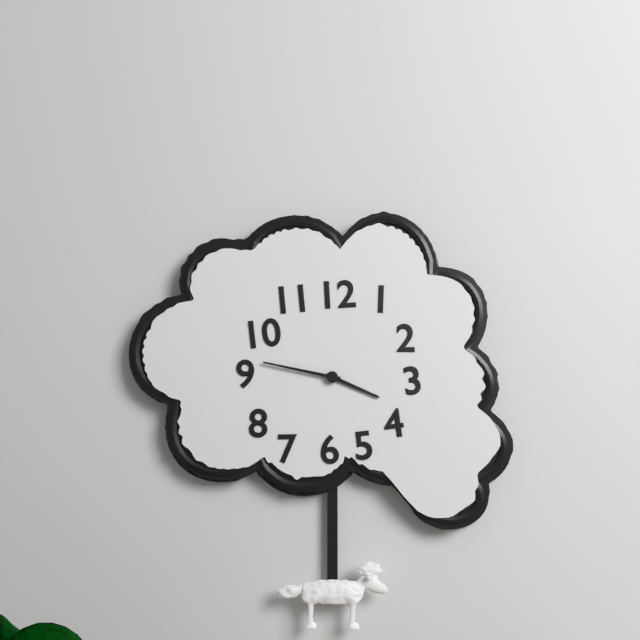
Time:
**3:47**
